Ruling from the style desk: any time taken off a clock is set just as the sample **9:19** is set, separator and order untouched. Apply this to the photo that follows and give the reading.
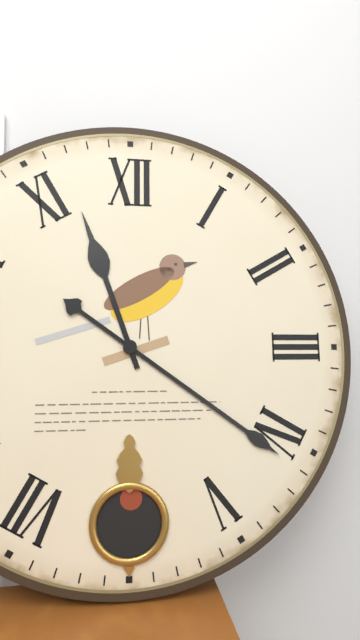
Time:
**11:21**
